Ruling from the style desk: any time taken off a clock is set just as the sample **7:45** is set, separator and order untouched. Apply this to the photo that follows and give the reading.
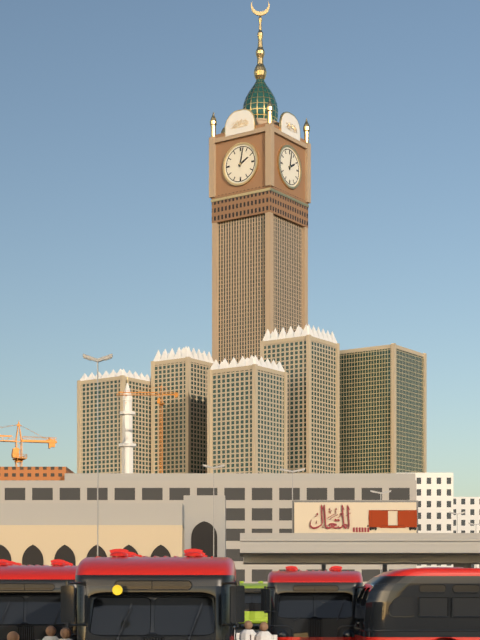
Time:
**2:02**
